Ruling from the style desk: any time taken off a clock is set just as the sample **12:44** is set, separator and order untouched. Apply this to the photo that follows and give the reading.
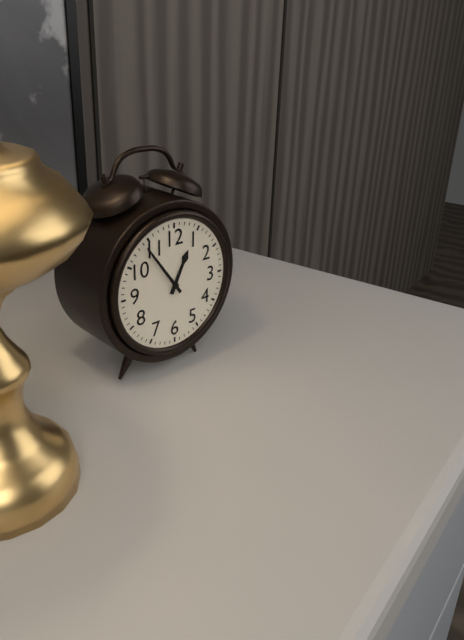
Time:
**12:54**
